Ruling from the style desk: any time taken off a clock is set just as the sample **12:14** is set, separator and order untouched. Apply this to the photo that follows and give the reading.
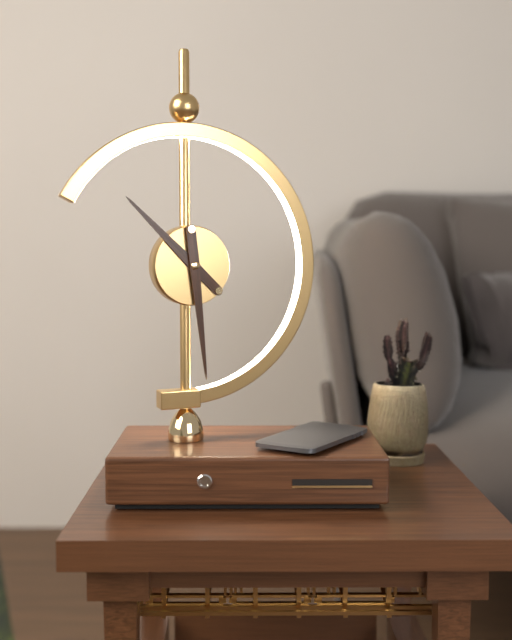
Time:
**10:29**
